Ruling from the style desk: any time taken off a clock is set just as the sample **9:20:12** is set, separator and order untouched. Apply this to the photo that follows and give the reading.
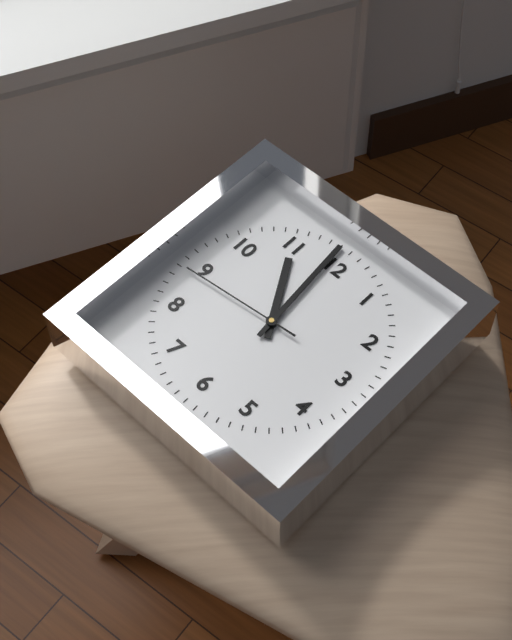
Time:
**10:59:44**
